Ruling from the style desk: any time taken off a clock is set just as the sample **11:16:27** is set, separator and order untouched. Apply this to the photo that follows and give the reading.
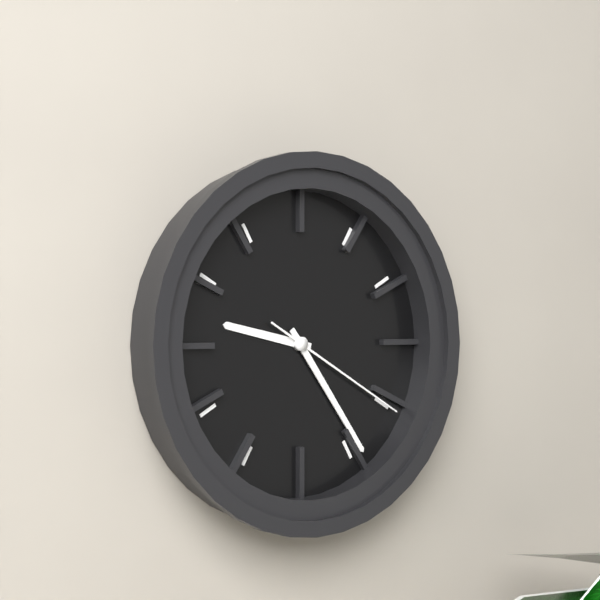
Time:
**9:24:20**
